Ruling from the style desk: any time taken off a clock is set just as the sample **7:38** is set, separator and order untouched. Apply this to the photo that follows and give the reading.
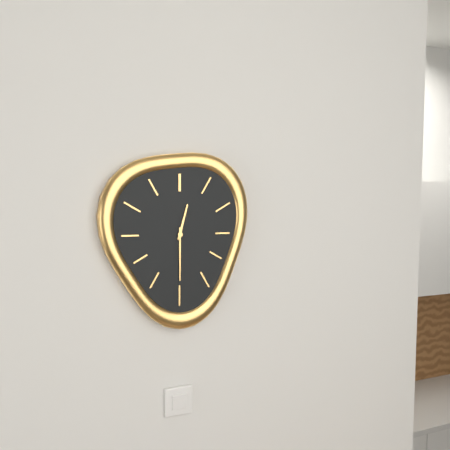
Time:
**12:30**
